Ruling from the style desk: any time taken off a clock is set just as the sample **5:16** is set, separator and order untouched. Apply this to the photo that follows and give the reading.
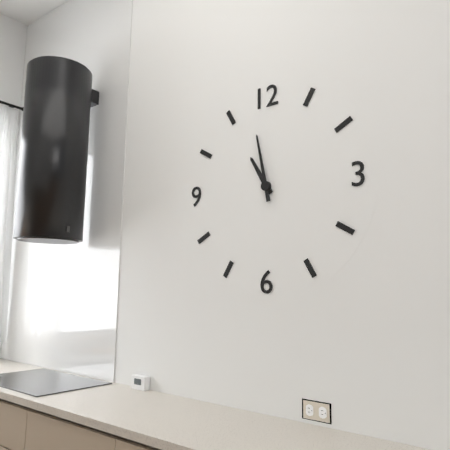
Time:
**10:58**
